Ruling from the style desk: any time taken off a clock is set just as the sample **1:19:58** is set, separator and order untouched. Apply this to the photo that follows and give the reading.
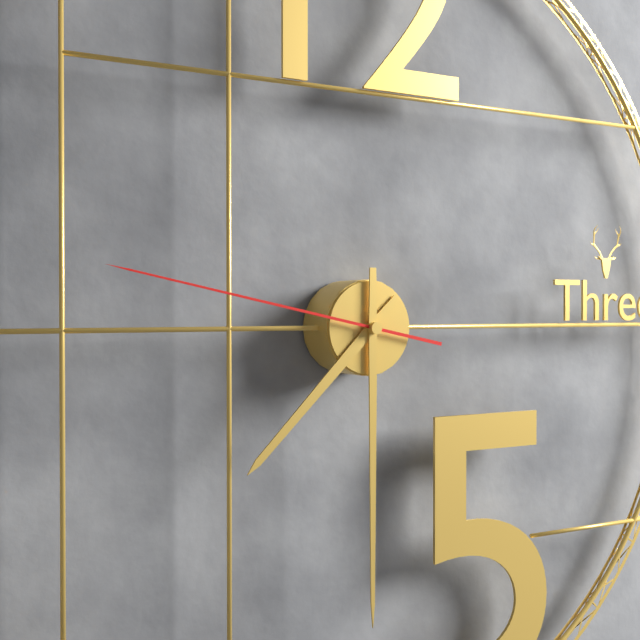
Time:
**7:30:47**
